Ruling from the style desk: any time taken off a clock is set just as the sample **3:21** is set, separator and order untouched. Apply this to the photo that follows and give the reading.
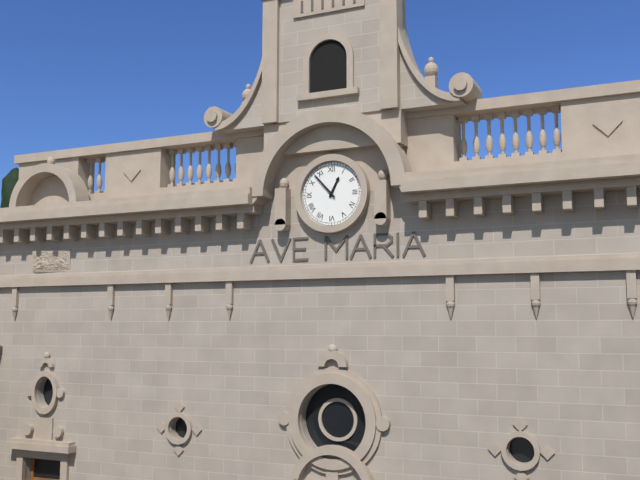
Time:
**12:53**
